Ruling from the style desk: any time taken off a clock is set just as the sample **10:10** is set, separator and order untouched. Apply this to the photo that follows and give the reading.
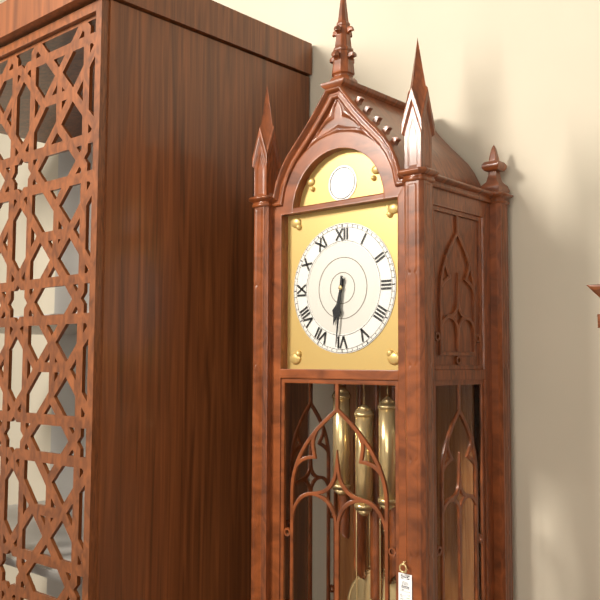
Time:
**6:31**
